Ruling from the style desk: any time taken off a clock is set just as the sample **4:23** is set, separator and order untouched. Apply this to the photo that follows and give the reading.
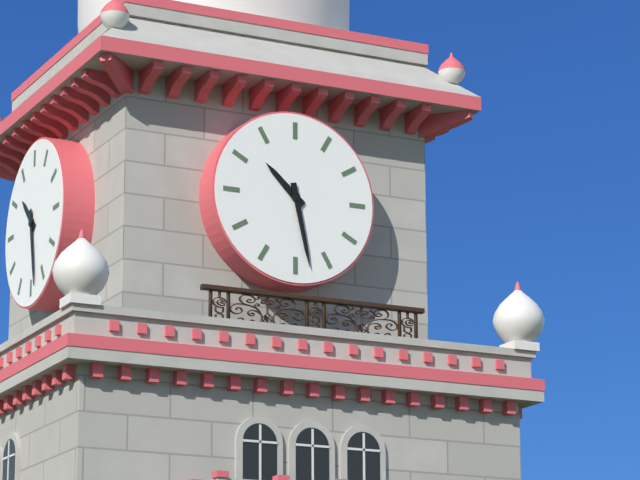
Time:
**10:28**
